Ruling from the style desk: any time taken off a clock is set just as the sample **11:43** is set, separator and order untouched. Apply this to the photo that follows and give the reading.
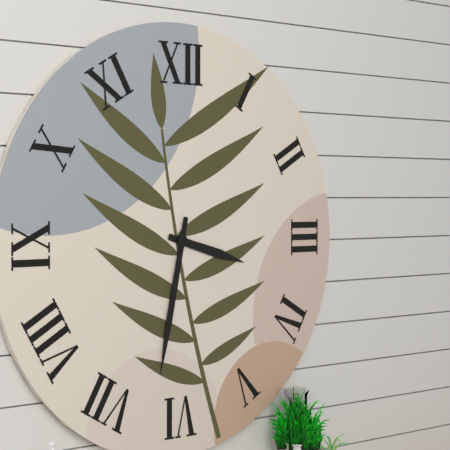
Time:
**3:32**
